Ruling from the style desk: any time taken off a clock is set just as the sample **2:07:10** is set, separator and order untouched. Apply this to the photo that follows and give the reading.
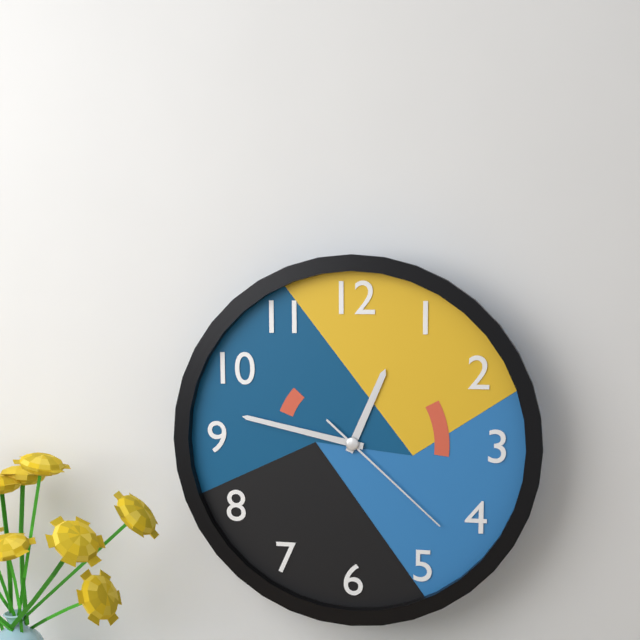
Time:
**12:47:22**
